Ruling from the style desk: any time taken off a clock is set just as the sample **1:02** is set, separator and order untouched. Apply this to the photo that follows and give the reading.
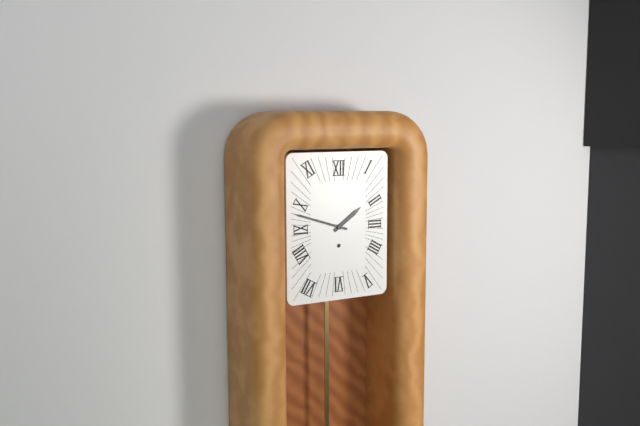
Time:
**1:48**
